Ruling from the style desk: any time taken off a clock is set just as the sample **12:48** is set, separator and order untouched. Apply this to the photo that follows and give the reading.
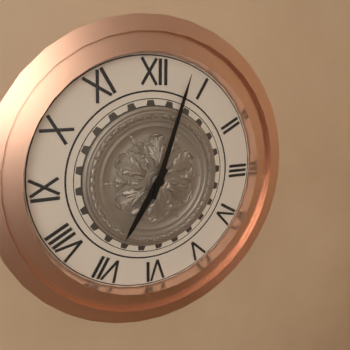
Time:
**7:03**
